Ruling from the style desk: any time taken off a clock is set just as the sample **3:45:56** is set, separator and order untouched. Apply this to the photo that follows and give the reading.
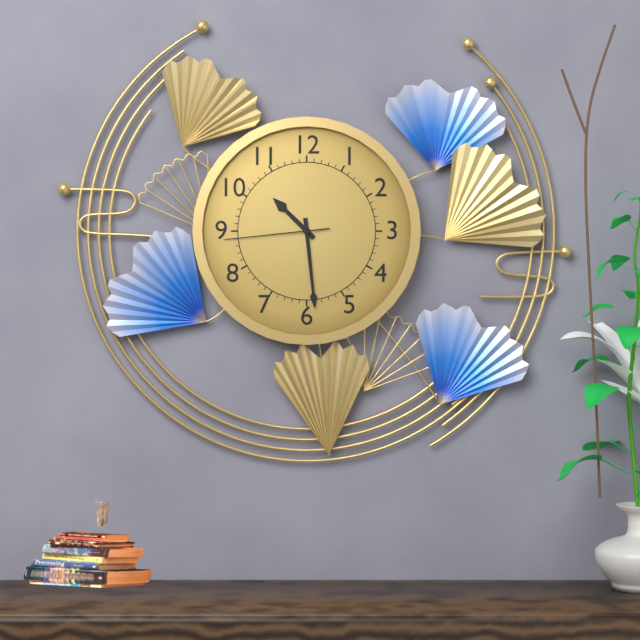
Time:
**10:29:44**
